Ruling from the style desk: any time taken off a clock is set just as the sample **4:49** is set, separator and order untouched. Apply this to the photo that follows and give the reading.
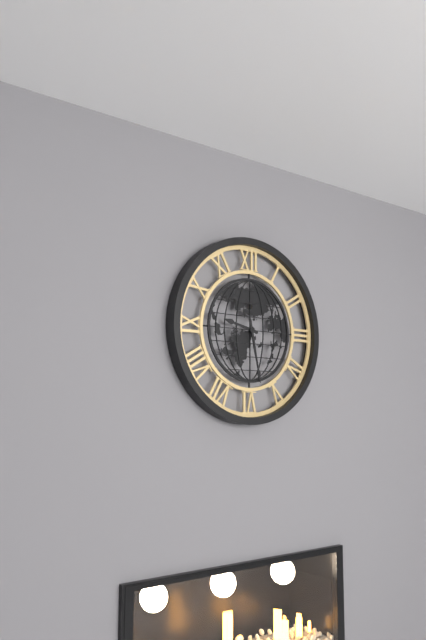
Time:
**9:28**
